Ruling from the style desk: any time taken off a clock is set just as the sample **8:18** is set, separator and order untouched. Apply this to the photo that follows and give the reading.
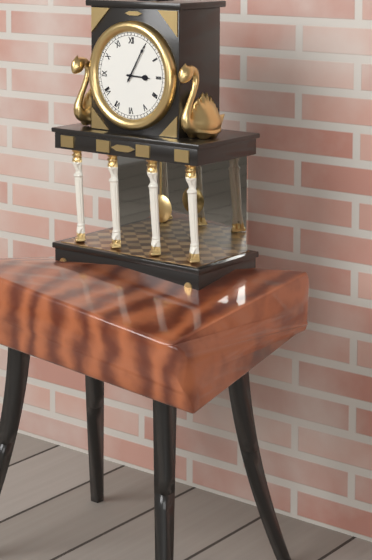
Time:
**3:05**
